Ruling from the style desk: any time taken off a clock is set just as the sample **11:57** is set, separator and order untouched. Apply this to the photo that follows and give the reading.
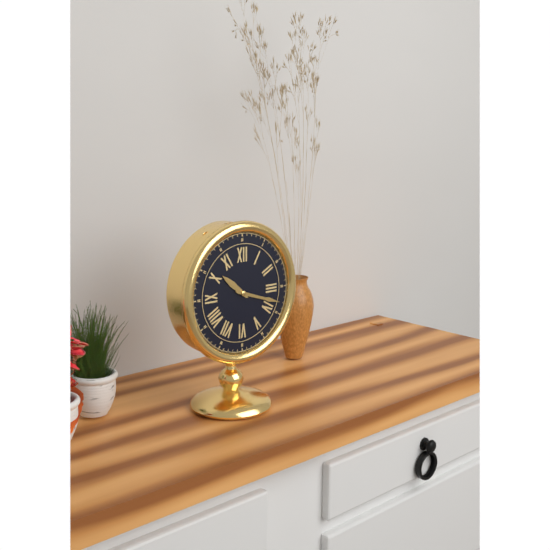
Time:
**10:18**
